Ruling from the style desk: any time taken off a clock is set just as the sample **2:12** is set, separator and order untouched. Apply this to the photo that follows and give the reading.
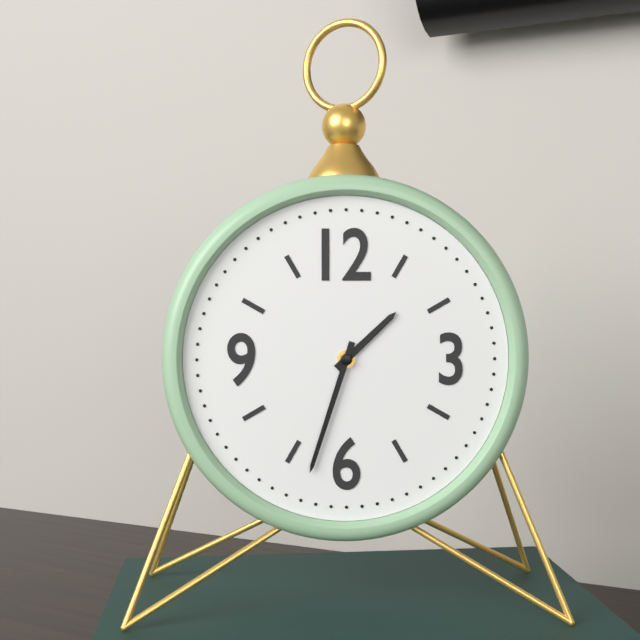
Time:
**1:33**
